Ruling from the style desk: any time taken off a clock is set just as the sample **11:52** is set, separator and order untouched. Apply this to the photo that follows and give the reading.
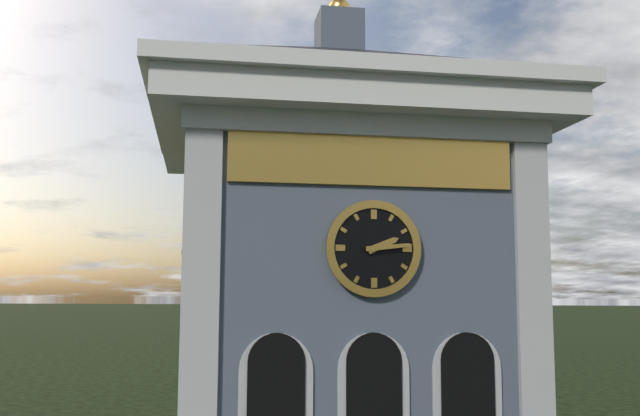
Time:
**2:14**
